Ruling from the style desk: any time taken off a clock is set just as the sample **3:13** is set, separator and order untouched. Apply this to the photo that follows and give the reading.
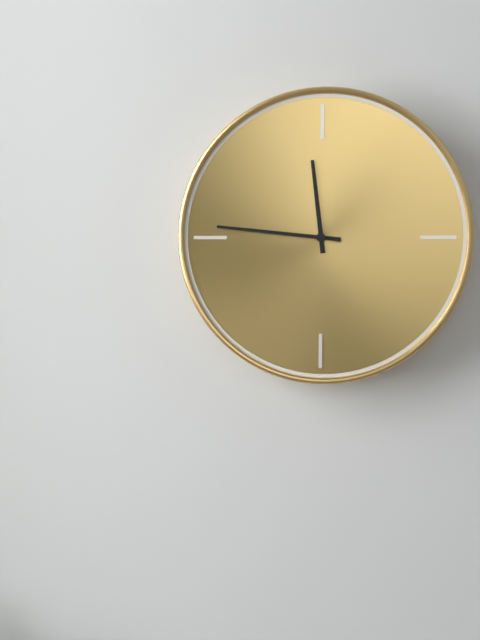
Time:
**11:46**
